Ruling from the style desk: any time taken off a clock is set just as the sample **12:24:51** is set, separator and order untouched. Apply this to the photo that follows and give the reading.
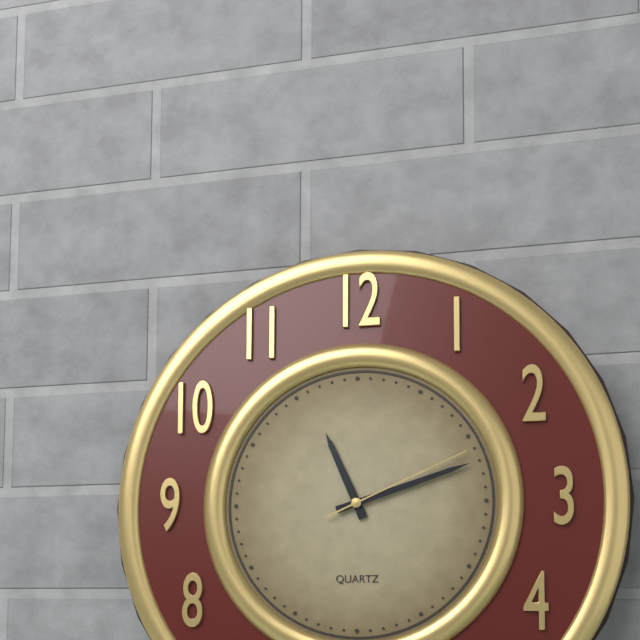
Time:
**11:12:11**
